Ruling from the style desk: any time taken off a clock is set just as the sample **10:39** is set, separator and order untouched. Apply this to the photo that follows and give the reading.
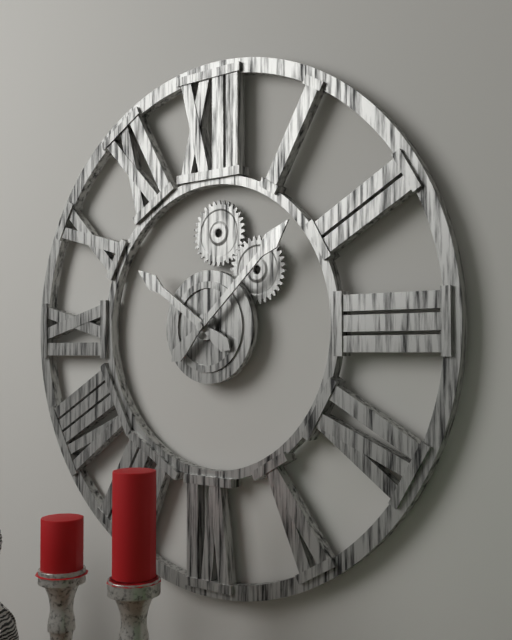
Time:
**10:08**
